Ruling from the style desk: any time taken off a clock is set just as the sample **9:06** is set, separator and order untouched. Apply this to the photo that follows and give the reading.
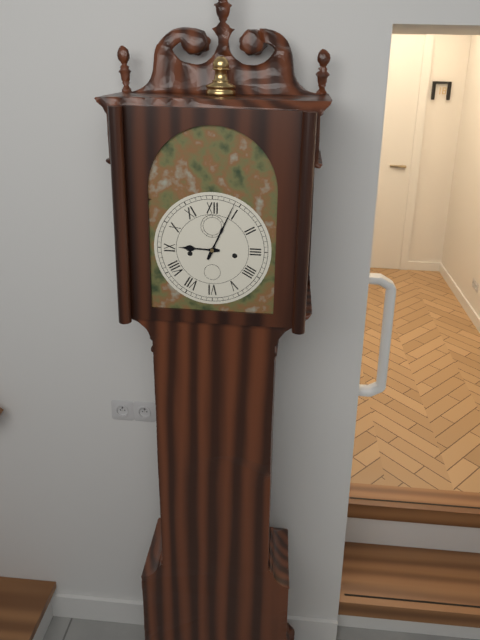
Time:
**9:04**
